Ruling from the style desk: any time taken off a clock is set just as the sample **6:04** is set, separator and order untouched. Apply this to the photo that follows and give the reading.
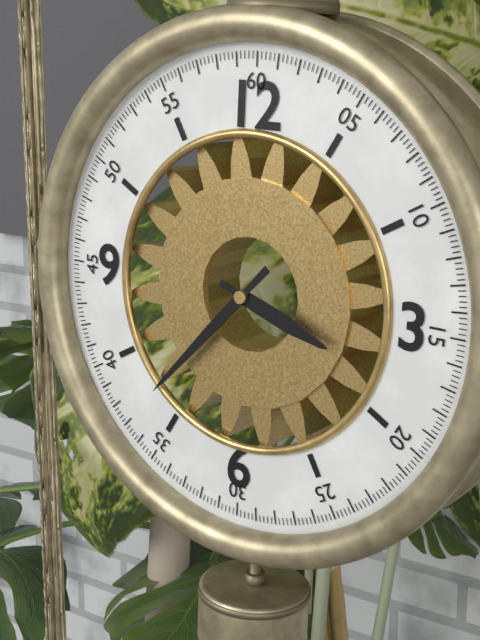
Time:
**3:37**
